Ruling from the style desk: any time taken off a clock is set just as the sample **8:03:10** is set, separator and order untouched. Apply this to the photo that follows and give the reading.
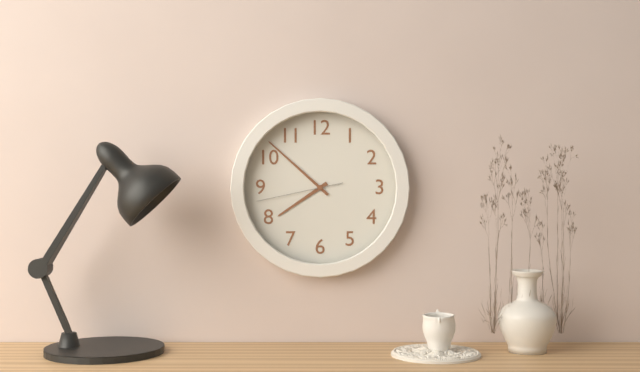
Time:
**7:52:43**
